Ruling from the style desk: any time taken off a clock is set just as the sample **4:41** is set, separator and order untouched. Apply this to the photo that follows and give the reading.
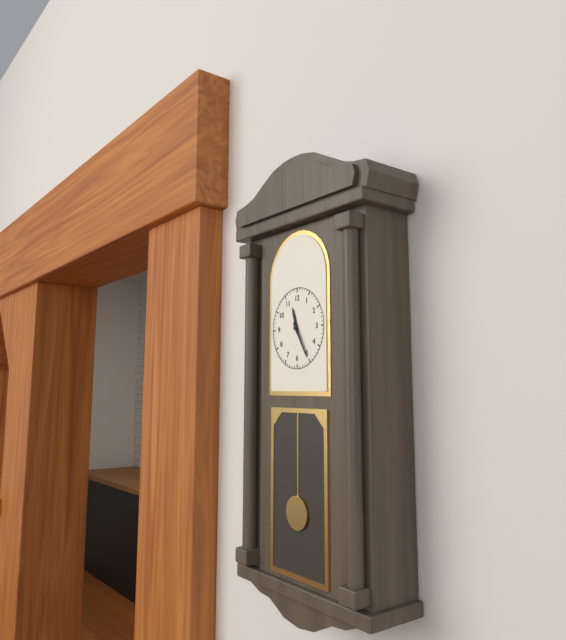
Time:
**11:25**
